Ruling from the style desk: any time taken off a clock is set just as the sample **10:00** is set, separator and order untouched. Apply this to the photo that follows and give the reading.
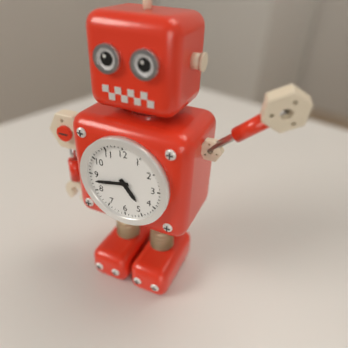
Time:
**4:43**
